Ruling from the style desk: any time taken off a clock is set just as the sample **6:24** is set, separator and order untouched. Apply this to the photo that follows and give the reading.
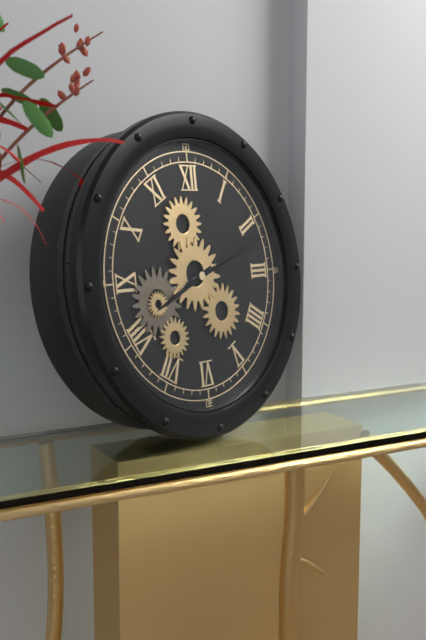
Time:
**8:12**
